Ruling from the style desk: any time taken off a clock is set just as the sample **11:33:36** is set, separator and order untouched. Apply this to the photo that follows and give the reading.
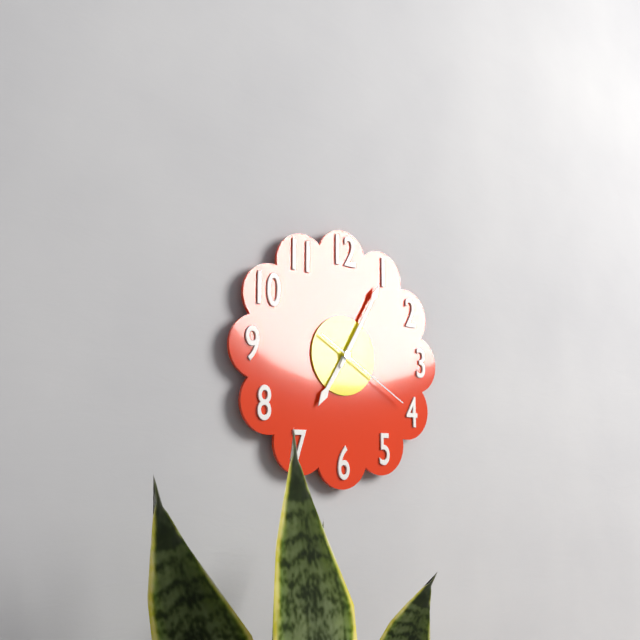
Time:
**7:05:20**
